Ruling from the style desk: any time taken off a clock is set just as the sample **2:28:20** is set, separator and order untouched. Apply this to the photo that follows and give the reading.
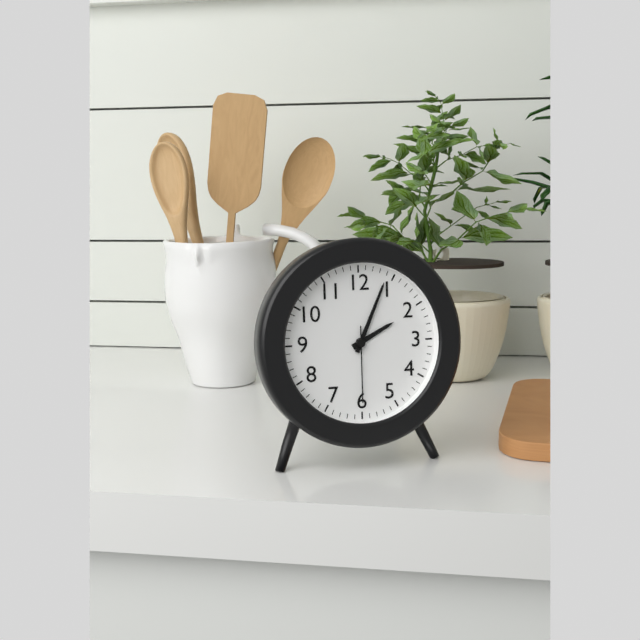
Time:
**2:04:30**
